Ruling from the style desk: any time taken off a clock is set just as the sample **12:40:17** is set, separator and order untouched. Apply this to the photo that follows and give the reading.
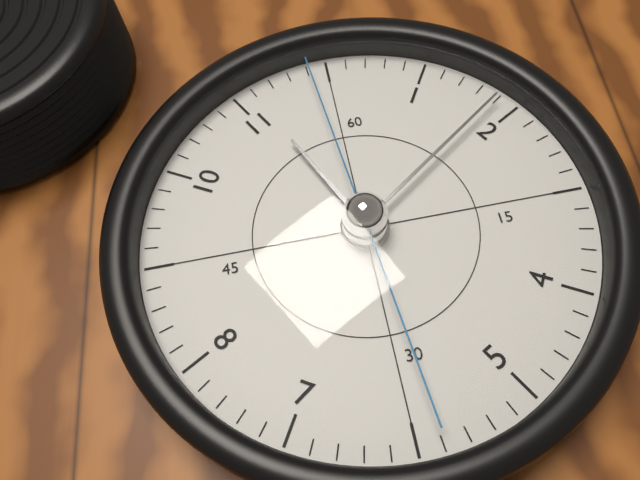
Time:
**11:09:59**
